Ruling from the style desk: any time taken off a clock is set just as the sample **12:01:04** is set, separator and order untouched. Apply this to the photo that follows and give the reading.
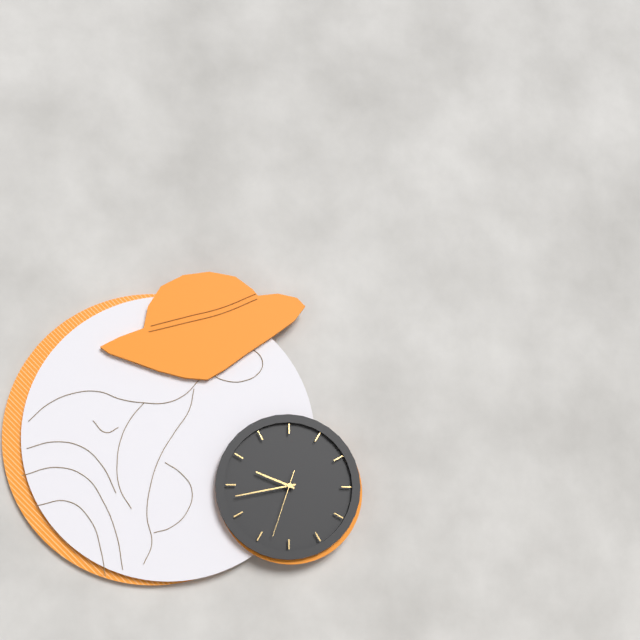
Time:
**9:43:33**
